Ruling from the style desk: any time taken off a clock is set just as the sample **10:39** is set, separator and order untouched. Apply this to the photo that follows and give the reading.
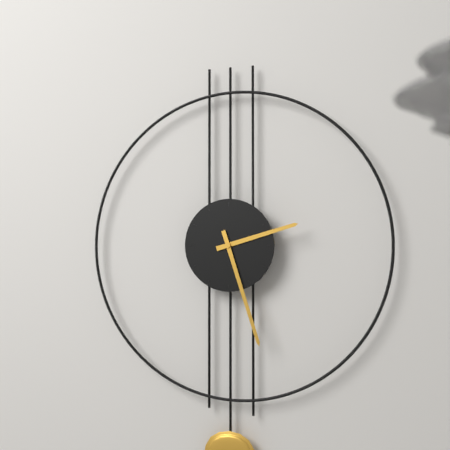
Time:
**2:27**
